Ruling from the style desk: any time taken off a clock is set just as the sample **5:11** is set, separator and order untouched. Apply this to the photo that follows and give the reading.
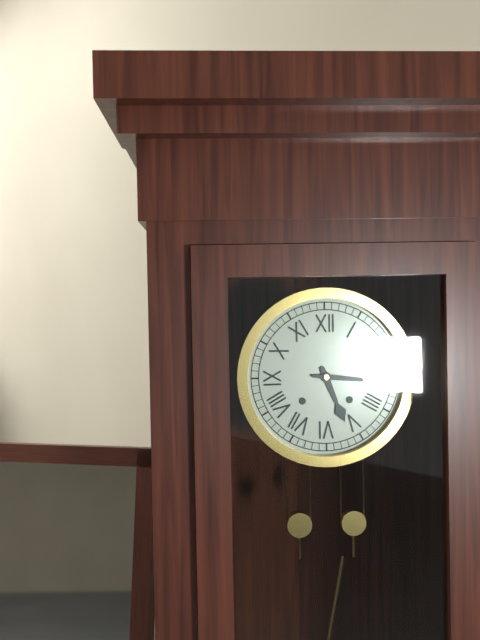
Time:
**5:16**
